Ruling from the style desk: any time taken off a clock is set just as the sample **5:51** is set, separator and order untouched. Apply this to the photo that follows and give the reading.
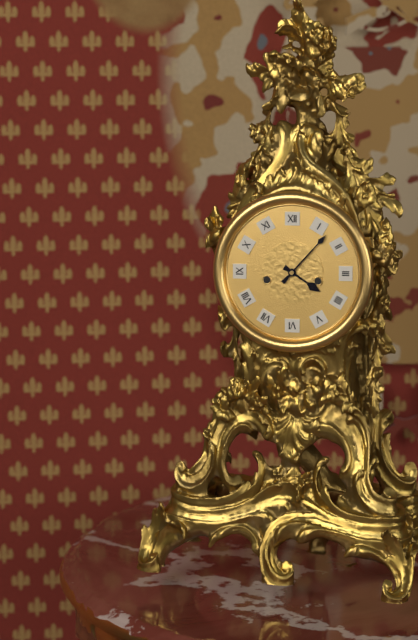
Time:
**4:07**
